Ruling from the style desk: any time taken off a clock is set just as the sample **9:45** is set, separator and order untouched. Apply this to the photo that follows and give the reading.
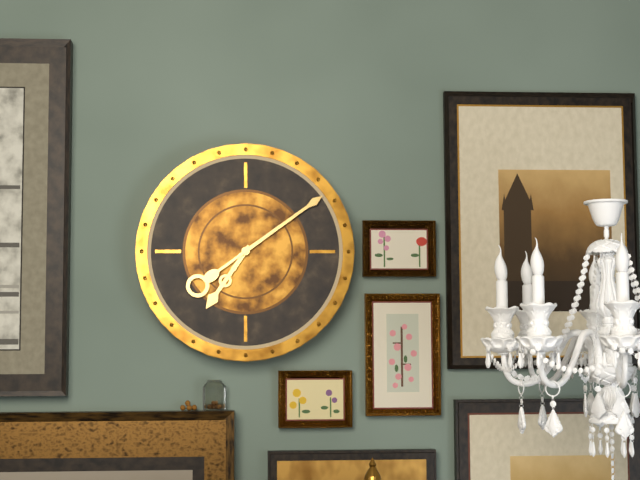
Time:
**7:09**
